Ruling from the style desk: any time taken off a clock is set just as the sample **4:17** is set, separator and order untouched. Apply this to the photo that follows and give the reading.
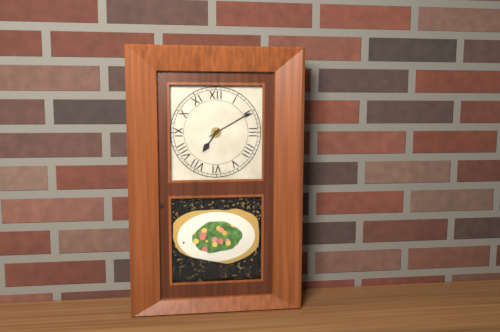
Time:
**7:10**
